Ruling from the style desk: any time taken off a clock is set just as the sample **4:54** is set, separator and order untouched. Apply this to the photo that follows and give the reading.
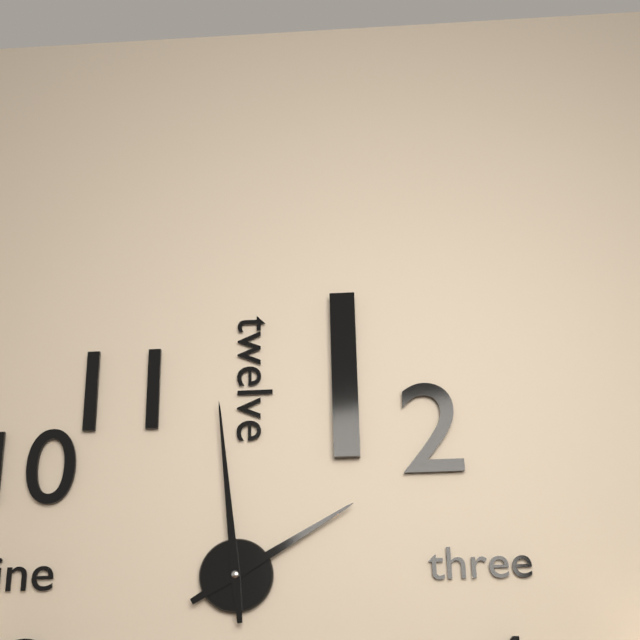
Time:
**1:59**
